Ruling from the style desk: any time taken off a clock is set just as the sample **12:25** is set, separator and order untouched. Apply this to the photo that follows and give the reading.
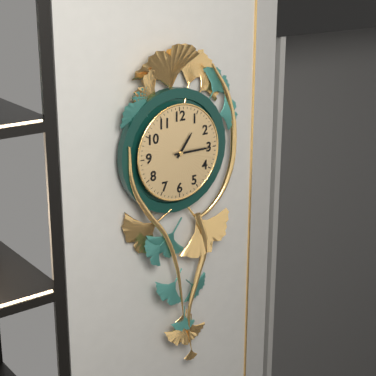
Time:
**1:15**
